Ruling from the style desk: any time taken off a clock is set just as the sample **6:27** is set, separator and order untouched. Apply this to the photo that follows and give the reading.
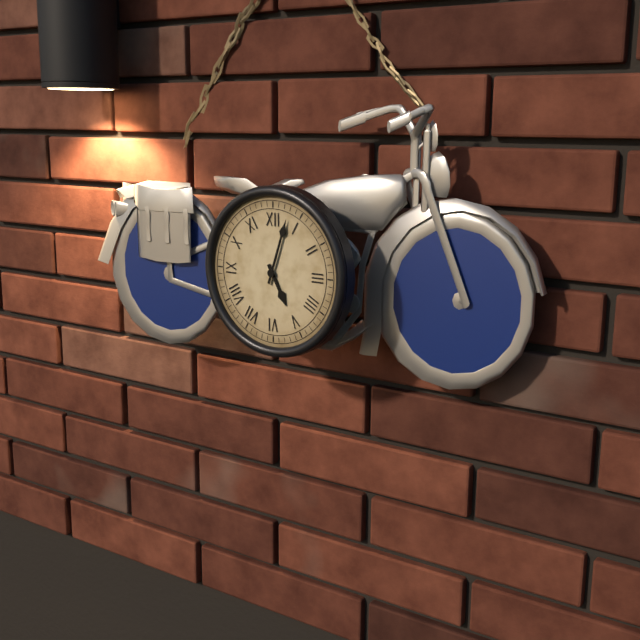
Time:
**5:03**
